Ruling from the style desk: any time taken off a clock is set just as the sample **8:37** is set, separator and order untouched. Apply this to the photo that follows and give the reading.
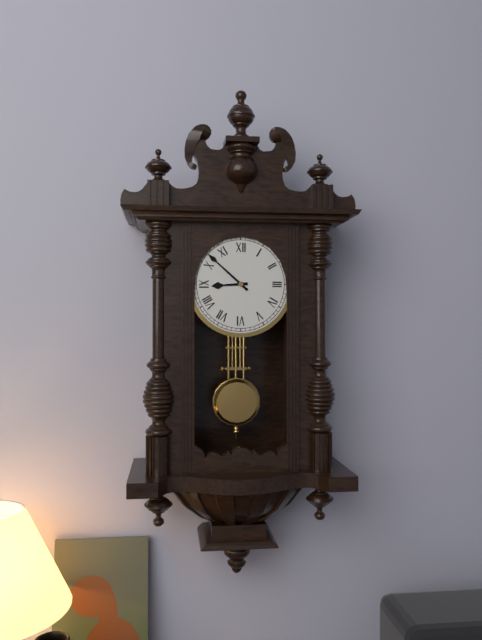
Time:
**8:52**
